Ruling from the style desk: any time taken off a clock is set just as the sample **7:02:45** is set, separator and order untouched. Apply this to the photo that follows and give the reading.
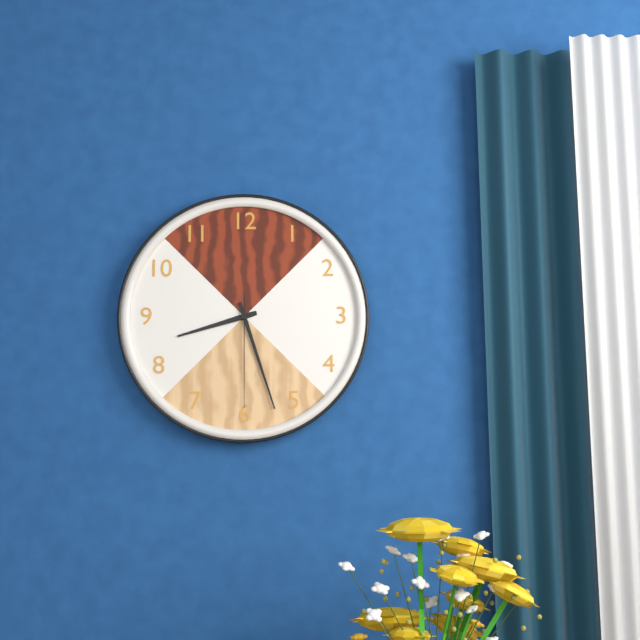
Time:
**8:27:30**
